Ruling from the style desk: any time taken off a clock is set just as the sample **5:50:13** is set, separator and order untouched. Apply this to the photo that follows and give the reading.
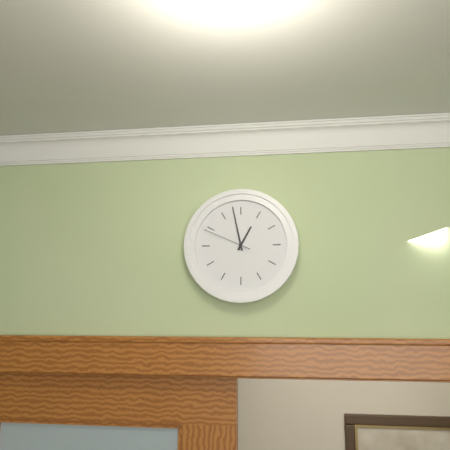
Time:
**12:58:49**
